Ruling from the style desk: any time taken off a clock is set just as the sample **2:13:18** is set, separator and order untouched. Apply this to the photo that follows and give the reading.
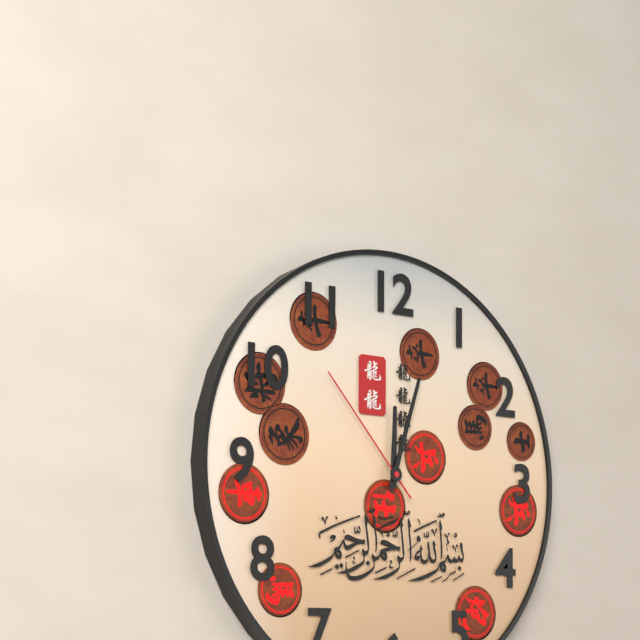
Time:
**12:03:53**
